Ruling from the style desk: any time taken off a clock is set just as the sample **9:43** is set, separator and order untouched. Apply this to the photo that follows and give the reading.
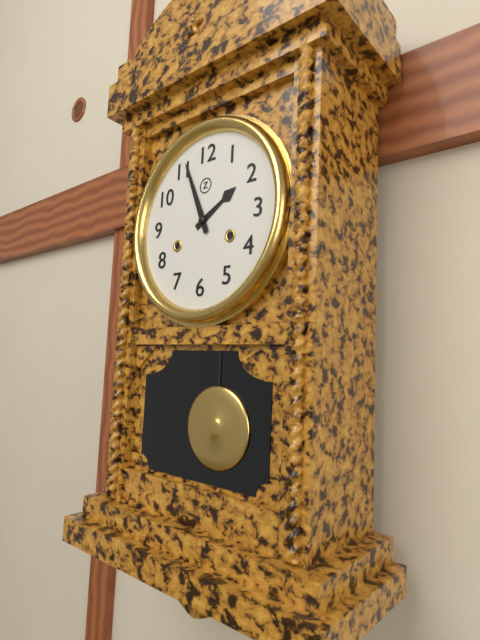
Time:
**1:56**
